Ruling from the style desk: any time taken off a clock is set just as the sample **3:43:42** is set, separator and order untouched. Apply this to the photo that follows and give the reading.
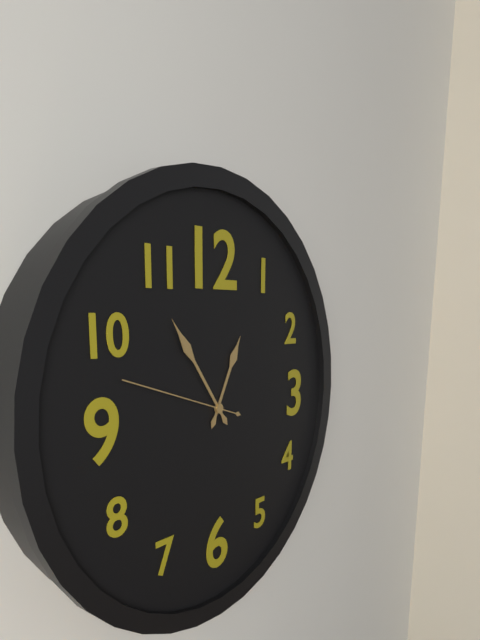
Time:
**12:54:48**
